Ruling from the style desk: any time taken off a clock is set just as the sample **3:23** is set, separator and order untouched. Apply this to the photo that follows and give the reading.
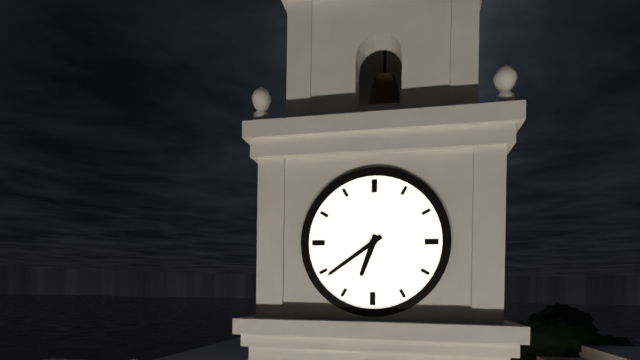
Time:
**6:39**
